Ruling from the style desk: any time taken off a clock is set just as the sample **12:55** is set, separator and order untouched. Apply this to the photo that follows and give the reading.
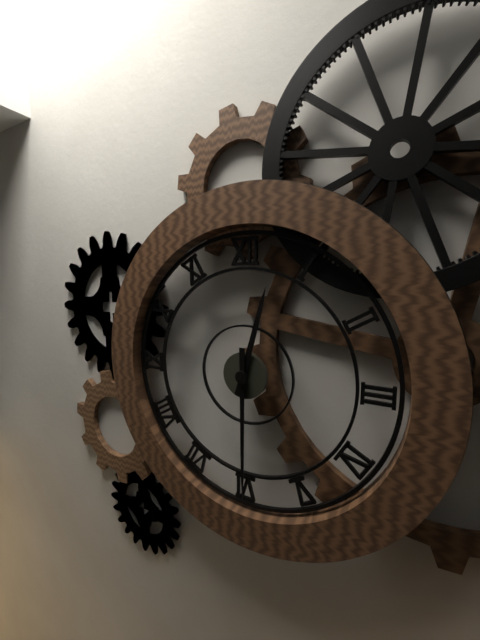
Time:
**12:30**
